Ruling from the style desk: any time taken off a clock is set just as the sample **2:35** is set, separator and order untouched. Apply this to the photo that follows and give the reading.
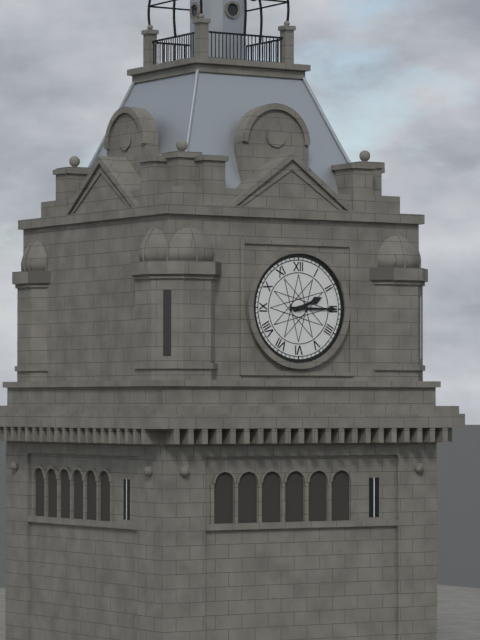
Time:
**2:15**
